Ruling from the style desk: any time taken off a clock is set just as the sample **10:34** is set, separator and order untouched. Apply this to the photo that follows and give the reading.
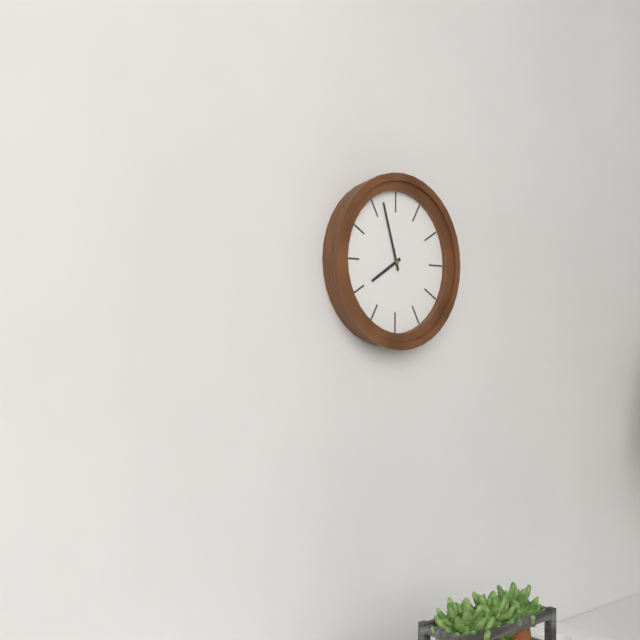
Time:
**7:57**
